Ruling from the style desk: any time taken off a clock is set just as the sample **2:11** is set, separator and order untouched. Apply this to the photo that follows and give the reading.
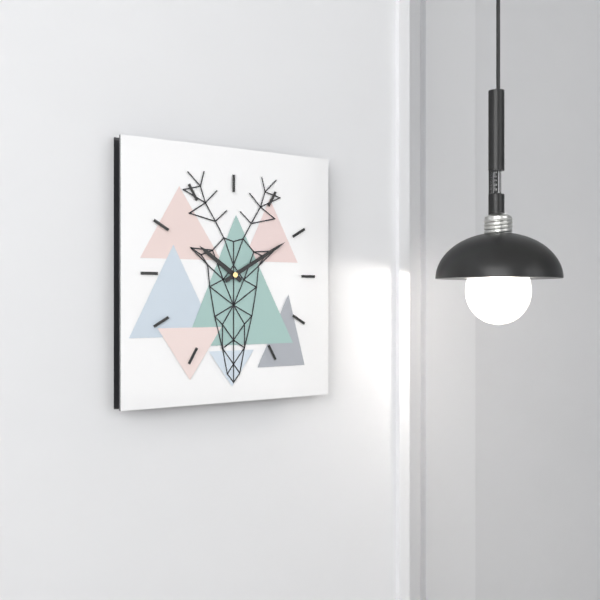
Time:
**10:10**
